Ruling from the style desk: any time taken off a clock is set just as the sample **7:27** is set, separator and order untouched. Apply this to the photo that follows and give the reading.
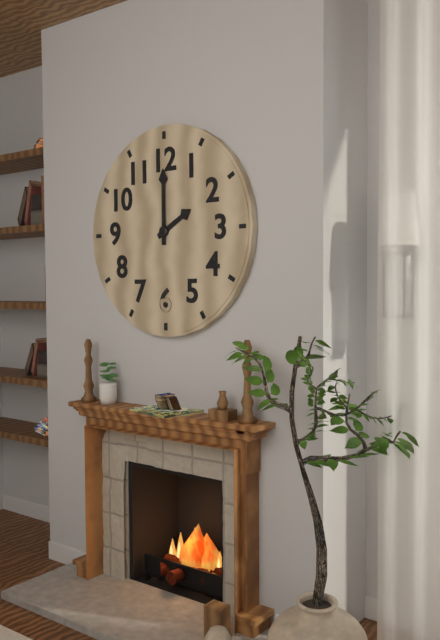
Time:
**2:00**
